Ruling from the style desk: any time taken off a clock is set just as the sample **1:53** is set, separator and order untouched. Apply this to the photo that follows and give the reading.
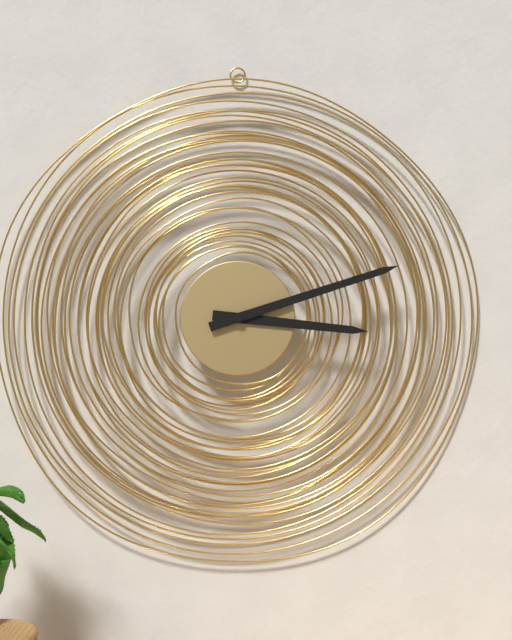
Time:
**3:12**
